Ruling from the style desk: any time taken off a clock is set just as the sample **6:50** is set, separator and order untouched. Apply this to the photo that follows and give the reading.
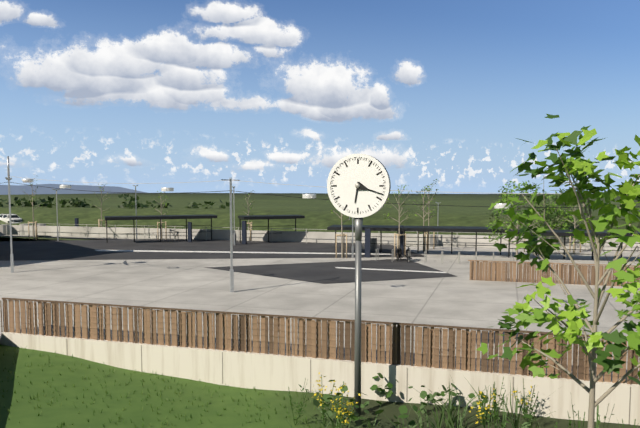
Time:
**6:18**
